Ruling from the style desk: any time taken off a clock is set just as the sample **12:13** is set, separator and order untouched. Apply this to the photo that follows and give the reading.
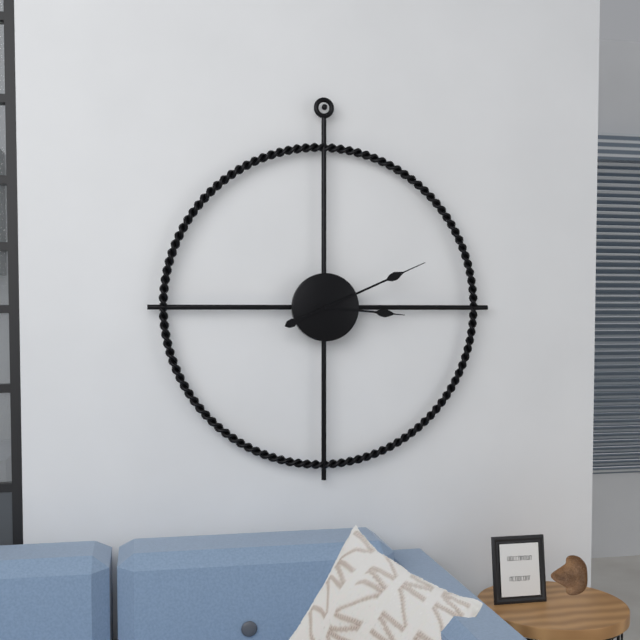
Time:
**3:11**
